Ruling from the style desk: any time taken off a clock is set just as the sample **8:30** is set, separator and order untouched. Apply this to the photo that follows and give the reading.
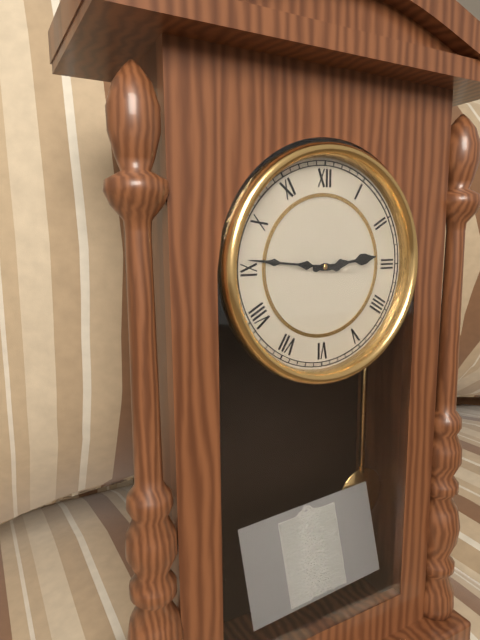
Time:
**2:46**
